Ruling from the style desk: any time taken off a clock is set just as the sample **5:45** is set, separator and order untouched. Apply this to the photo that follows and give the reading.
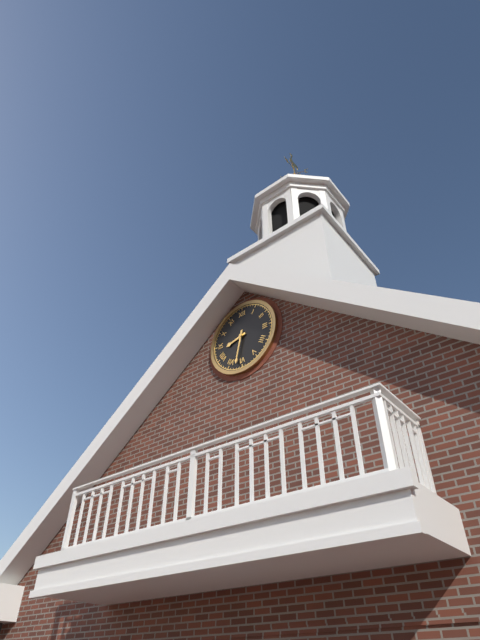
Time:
**8:32**
